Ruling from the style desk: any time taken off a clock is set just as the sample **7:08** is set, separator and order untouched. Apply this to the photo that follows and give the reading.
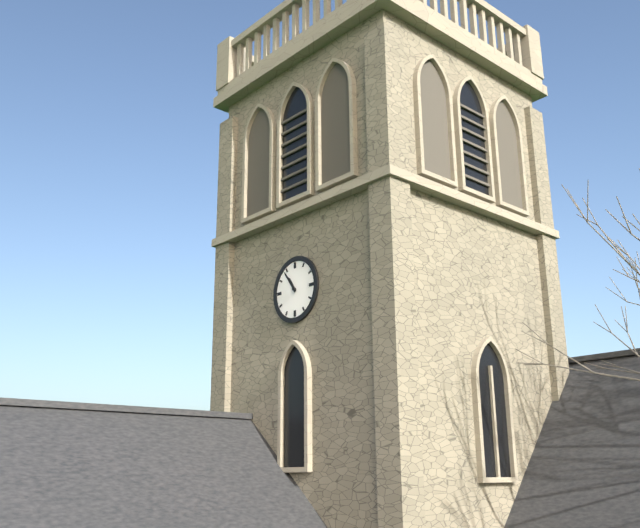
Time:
**10:54**
